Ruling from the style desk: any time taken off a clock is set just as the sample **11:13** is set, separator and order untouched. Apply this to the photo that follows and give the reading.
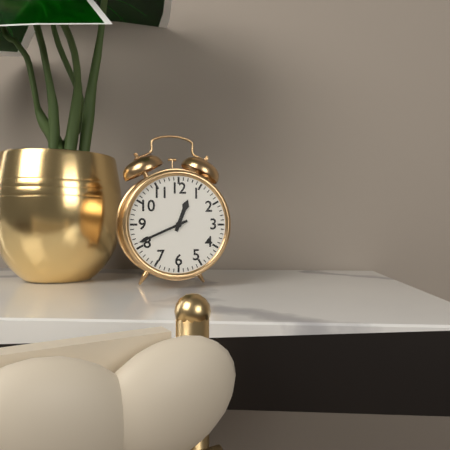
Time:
**12:41**
